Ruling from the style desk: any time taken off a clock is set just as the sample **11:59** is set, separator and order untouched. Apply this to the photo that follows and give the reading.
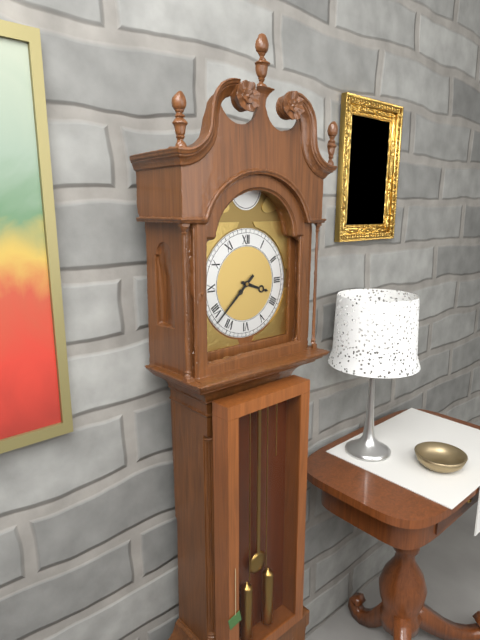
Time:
**3:38**
